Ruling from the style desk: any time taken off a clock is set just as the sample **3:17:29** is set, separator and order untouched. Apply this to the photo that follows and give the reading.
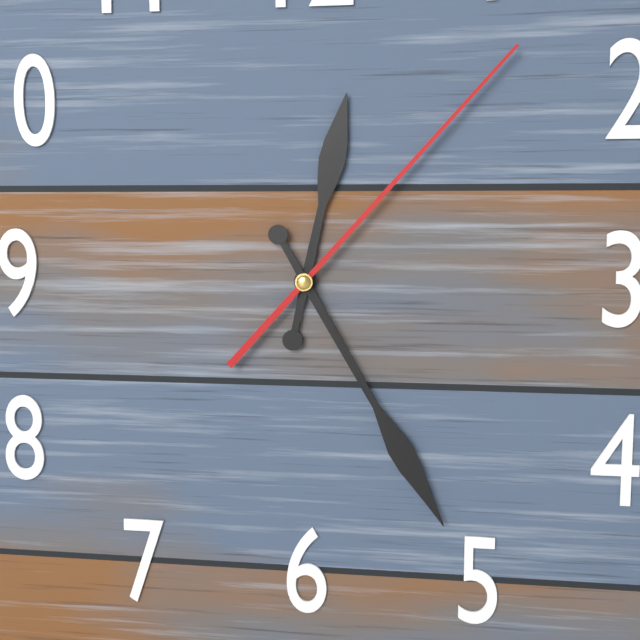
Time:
**12:25:07**
